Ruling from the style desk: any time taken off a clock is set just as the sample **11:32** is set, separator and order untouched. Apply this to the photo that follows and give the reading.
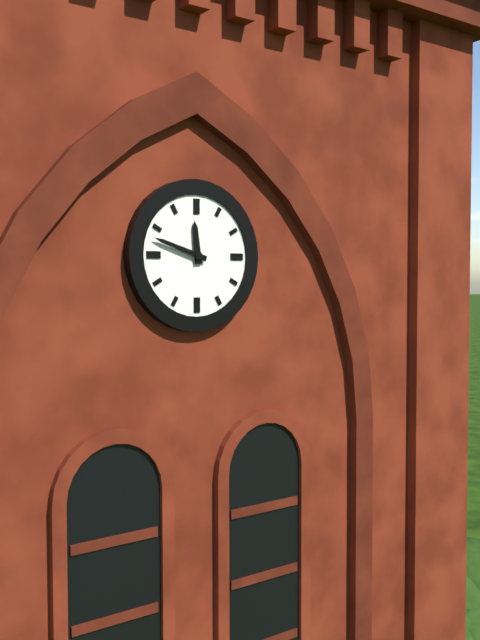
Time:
**11:48**
